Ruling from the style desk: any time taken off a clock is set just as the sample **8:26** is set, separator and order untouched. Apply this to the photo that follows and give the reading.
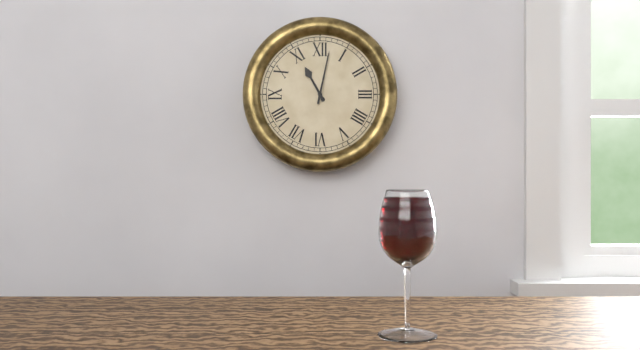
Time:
**11:02**
